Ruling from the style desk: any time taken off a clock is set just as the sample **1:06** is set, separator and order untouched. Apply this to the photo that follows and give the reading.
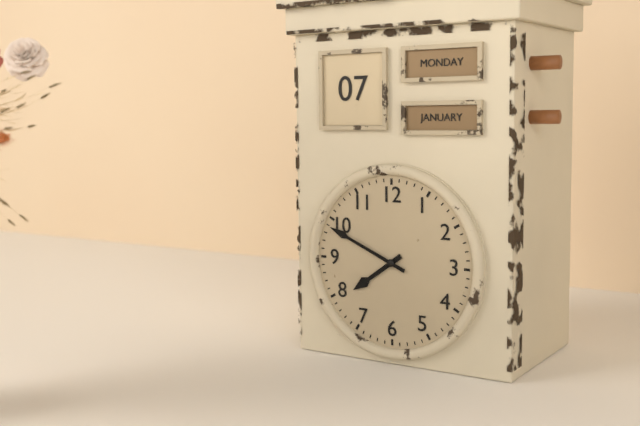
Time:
**7:49**
